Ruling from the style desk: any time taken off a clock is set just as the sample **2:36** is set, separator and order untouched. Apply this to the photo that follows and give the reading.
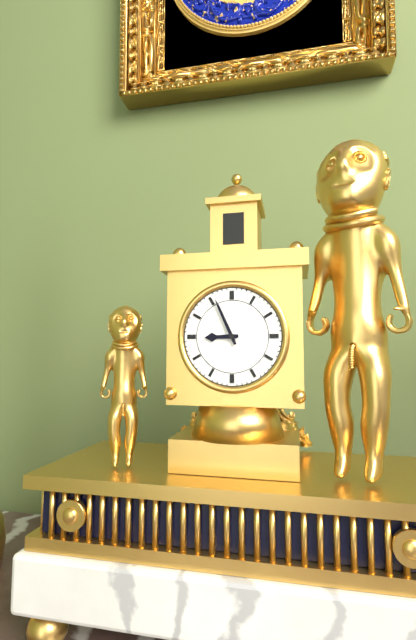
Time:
**8:56**
